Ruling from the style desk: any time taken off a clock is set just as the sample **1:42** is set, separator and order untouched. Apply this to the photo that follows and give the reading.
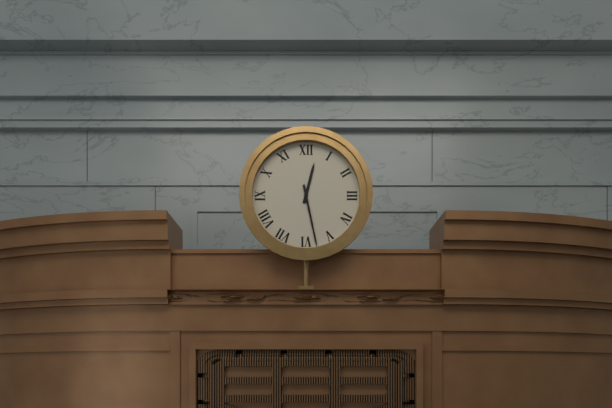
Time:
**12:28**
